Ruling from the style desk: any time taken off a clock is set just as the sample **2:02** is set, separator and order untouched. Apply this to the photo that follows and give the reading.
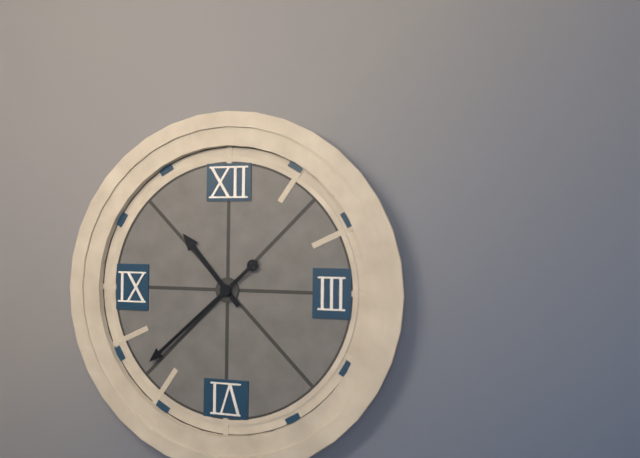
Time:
**10:38**
